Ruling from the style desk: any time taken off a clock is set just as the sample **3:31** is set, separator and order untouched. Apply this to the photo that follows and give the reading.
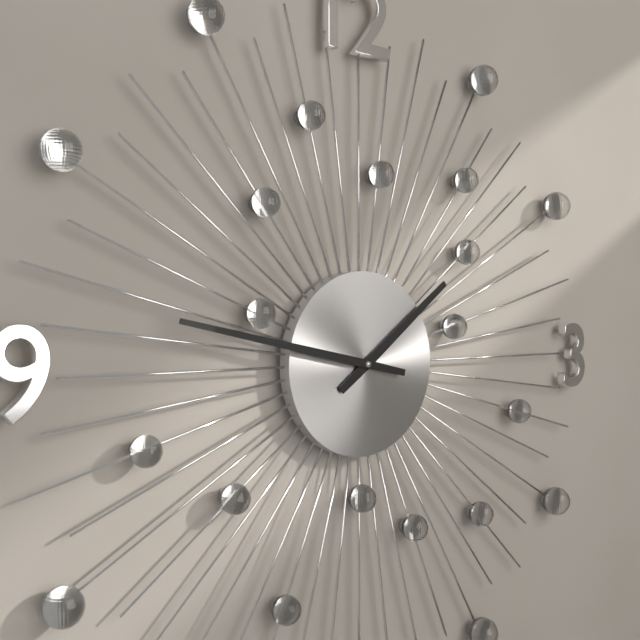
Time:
**1:47**
